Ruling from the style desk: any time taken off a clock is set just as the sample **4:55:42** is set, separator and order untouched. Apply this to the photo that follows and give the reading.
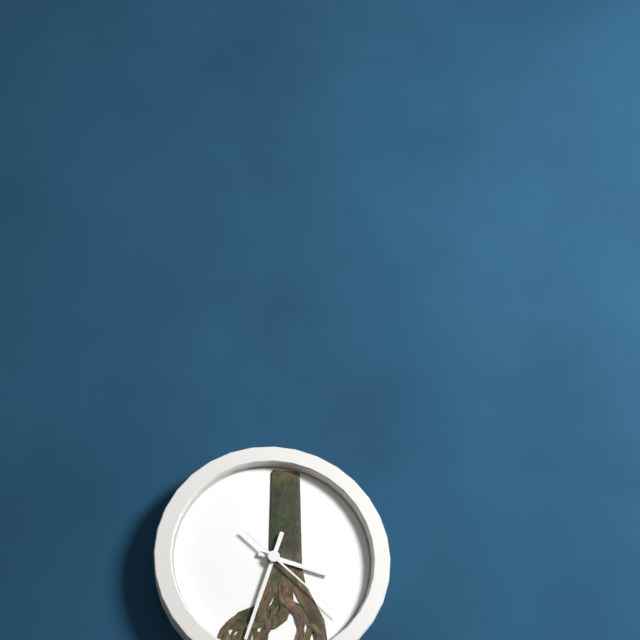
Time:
**3:33:22**
